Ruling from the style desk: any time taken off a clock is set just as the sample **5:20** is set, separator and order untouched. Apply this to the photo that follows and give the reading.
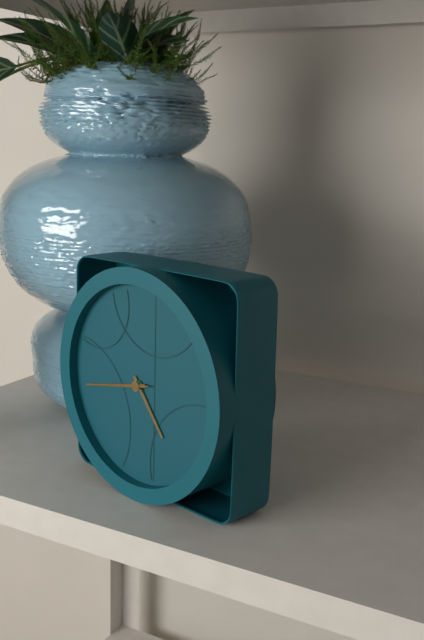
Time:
**4:43**
